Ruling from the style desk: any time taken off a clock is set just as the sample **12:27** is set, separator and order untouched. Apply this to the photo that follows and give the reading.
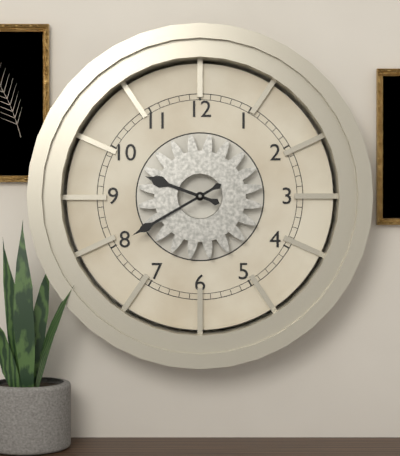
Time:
**9:40**
